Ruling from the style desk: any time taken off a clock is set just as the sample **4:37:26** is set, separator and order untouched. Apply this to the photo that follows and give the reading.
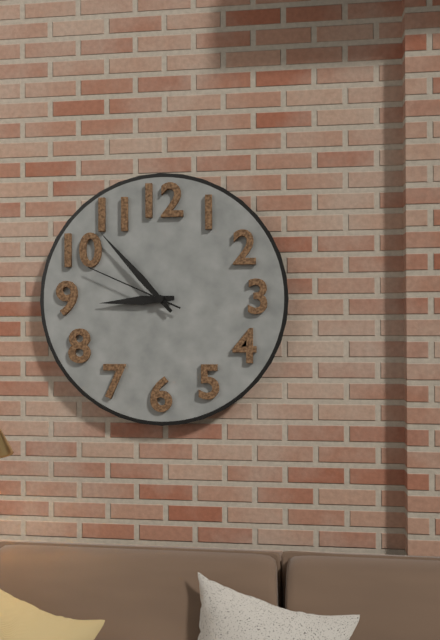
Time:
**8:53:49**
